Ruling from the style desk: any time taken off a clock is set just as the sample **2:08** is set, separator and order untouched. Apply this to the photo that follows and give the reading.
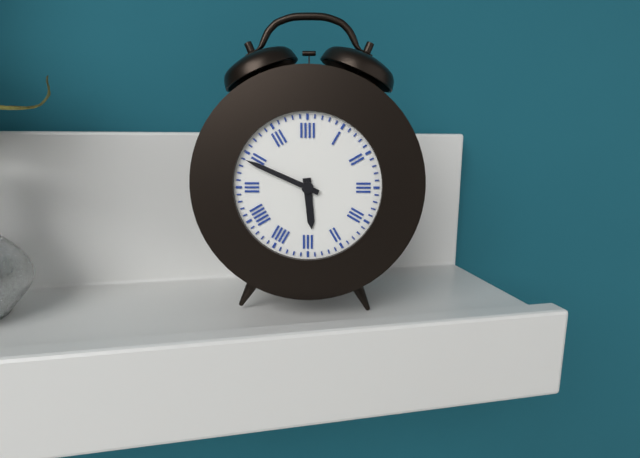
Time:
**5:49**
